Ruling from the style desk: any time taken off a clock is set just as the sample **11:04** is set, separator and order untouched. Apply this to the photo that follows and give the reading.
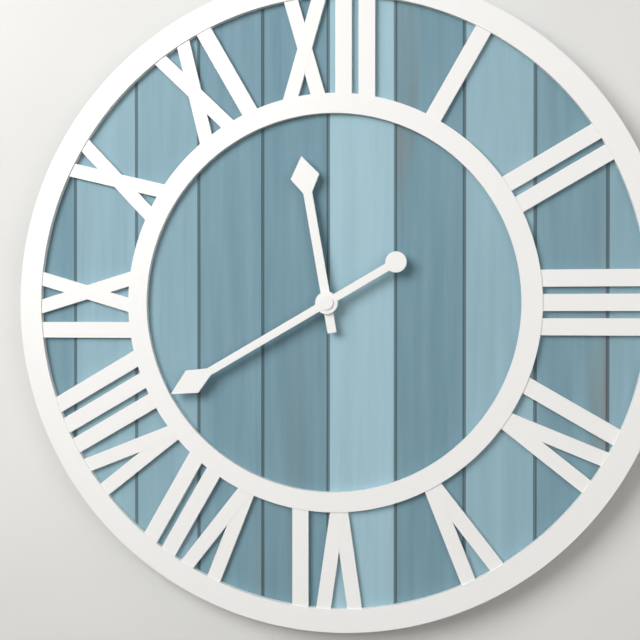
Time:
**11:40**
